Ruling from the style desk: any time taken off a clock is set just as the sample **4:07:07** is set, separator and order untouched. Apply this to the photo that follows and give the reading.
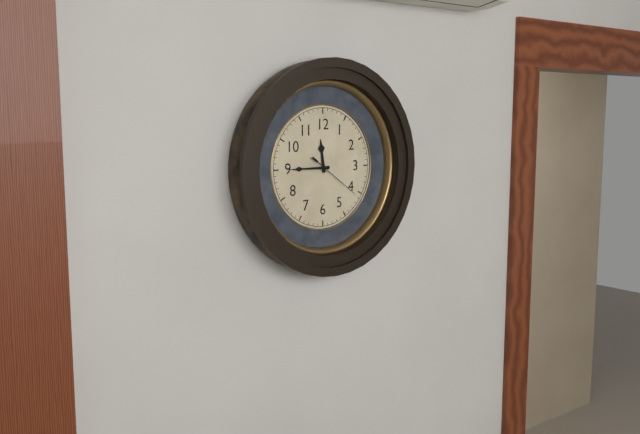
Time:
**11:45:21**
